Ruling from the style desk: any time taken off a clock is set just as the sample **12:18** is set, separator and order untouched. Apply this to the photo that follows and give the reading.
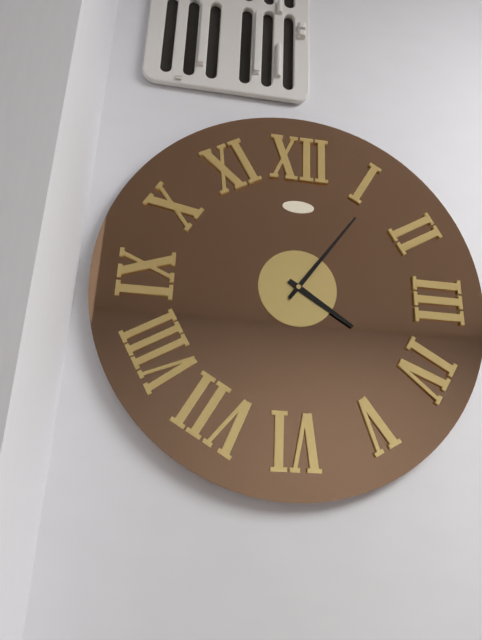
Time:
**4:06**
